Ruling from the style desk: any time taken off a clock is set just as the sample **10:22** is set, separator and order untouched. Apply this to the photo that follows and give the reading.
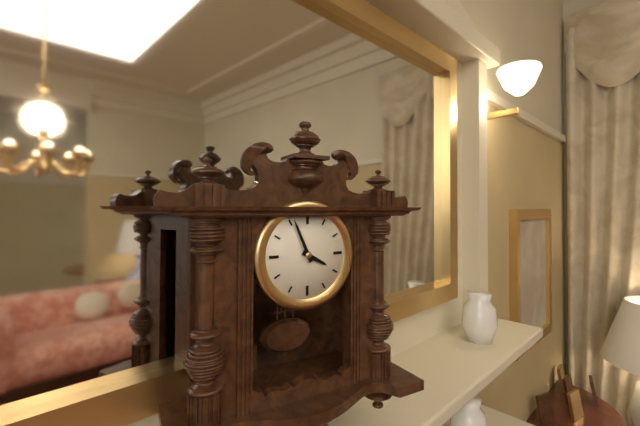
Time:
**3:56**
